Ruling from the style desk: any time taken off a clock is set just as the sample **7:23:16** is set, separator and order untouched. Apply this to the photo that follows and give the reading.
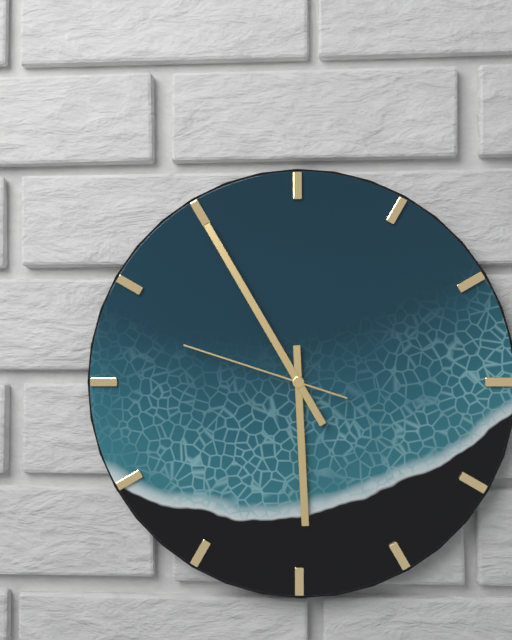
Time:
**5:55:48**
